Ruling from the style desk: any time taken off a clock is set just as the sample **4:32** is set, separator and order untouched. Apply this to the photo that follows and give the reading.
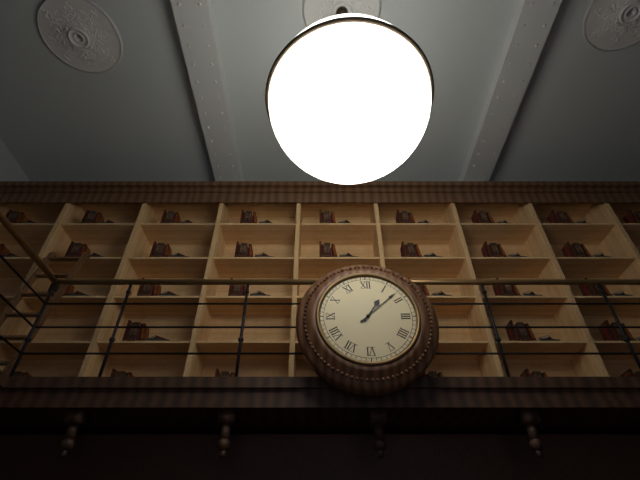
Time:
**1:08**
